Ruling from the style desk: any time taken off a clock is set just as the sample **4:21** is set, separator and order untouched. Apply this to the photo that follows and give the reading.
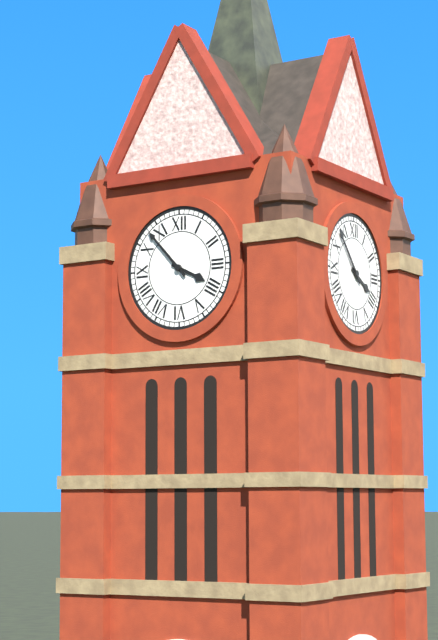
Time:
**3:53**
